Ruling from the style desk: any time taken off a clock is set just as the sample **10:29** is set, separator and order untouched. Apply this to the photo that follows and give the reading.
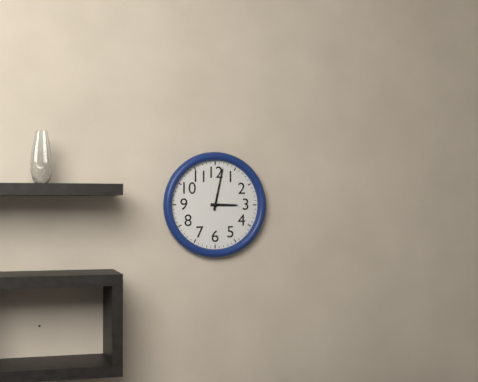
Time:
**3:02**
